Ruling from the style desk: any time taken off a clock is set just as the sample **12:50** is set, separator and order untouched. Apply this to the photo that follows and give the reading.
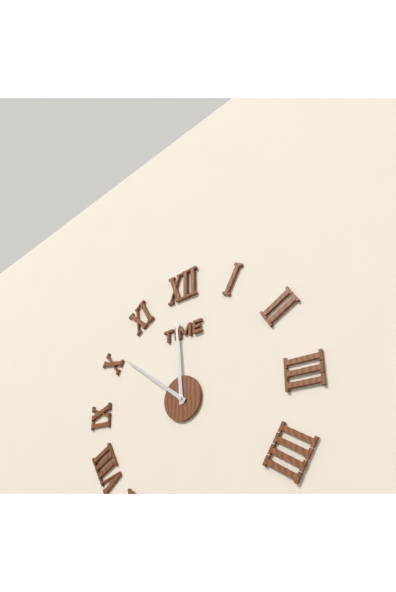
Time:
**11:51**
